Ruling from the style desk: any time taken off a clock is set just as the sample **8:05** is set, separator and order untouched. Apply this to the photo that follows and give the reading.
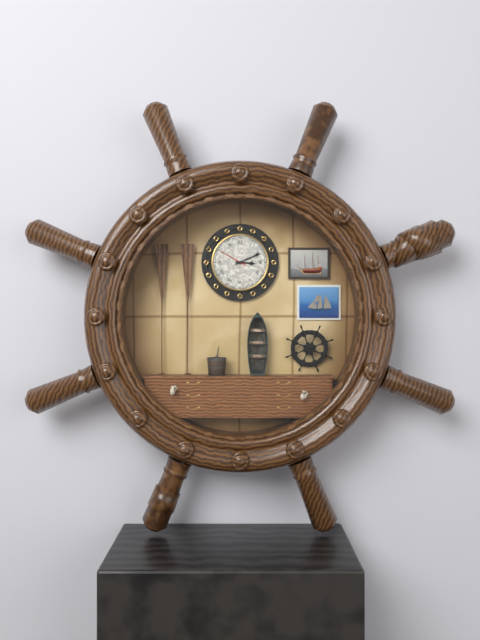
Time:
**3:11**
